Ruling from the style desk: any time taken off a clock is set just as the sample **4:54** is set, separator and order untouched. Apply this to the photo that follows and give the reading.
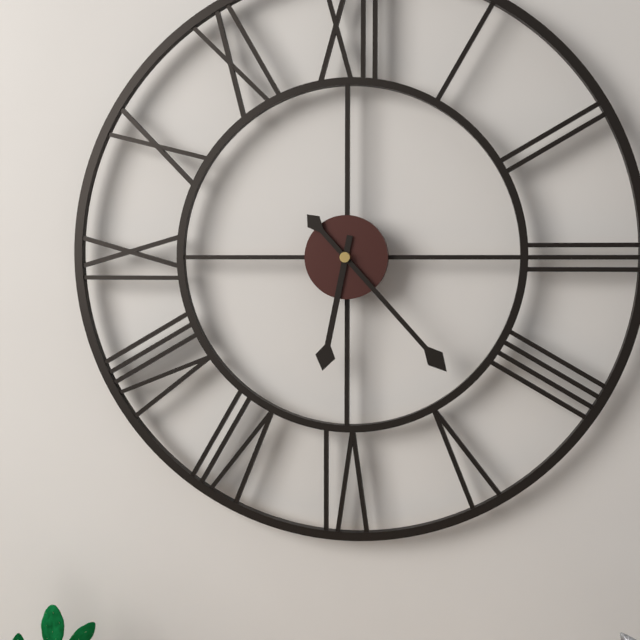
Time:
**6:23**
